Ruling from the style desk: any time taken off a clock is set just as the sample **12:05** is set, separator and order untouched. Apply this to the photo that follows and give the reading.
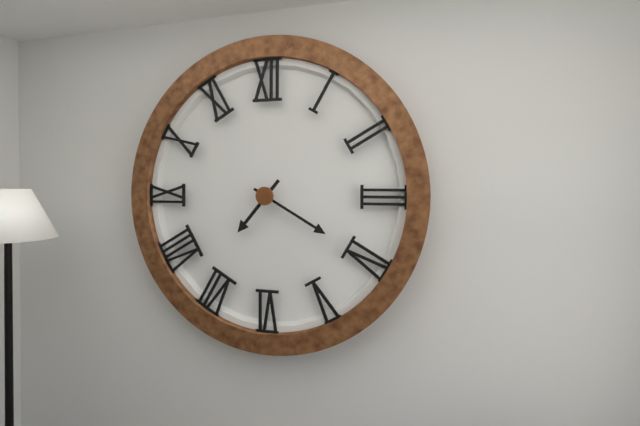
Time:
**7:20**
